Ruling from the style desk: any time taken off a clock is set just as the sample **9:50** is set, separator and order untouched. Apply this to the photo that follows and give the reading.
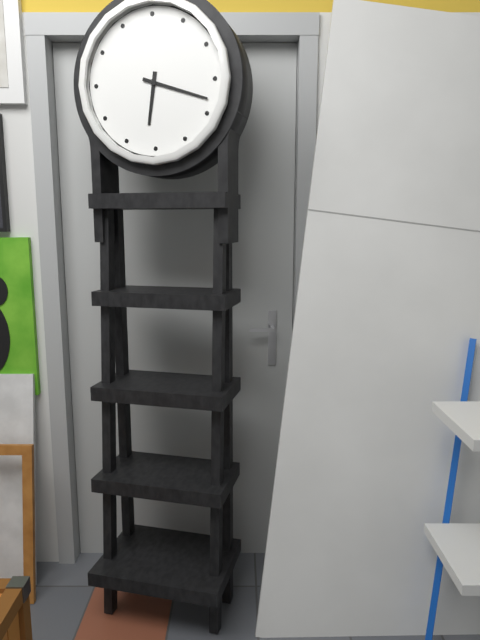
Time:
**6:18**
